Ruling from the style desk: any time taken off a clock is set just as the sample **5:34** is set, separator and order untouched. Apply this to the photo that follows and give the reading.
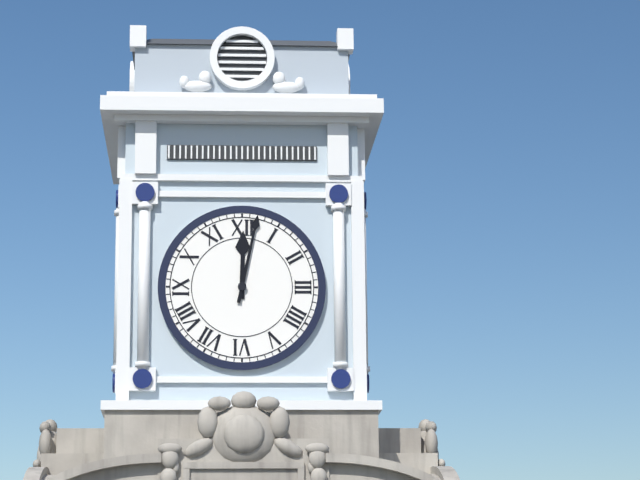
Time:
**12:02**
